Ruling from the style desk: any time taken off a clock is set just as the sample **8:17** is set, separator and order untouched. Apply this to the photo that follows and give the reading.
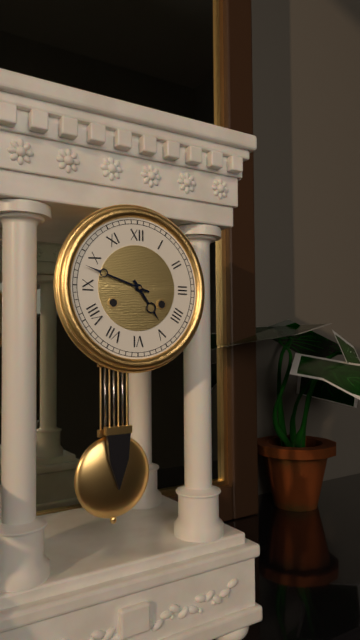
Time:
**4:48**
